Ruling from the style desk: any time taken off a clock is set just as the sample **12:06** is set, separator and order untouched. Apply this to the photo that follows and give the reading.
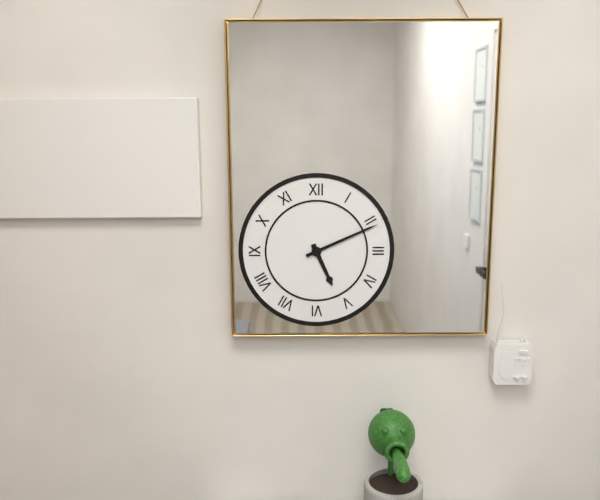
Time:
**5:11**
